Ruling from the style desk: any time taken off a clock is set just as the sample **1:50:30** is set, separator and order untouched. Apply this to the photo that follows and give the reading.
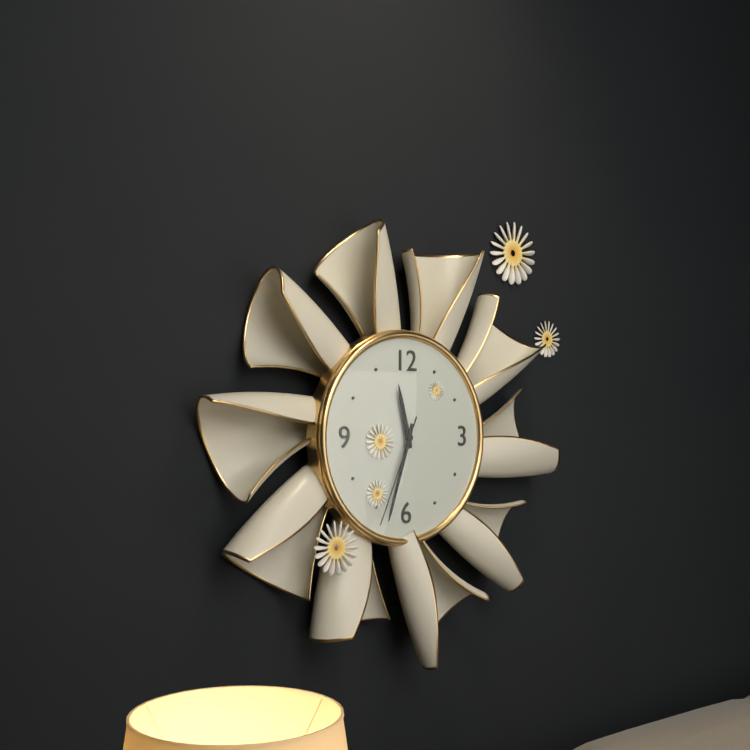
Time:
**11:33:34**
